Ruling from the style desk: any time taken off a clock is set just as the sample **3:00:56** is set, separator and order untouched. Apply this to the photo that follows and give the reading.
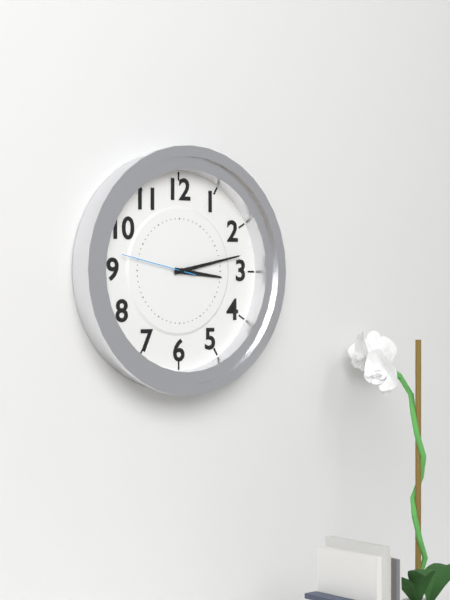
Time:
**3:13:47**
